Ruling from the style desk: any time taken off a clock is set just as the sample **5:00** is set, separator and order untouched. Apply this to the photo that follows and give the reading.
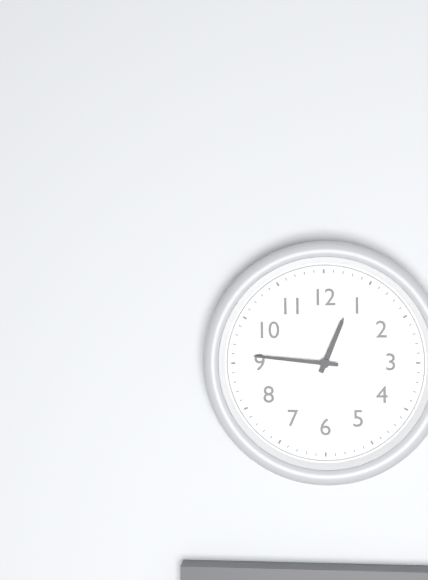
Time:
**12:46**
